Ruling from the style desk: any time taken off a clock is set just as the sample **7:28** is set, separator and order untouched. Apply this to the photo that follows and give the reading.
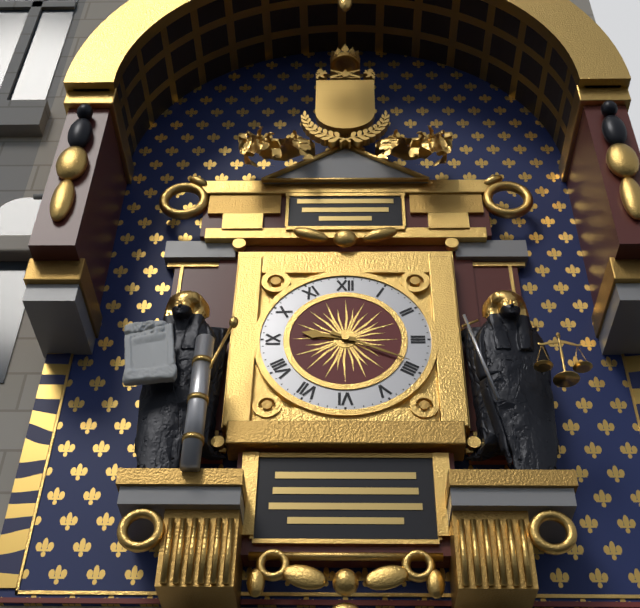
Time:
**9:19**
